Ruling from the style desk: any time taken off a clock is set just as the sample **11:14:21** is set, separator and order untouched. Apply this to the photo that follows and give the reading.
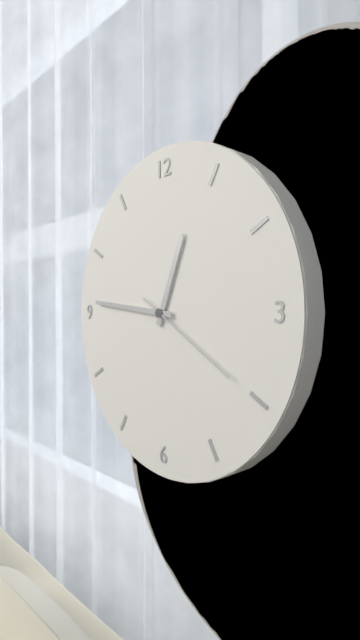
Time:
**12:46:20**
